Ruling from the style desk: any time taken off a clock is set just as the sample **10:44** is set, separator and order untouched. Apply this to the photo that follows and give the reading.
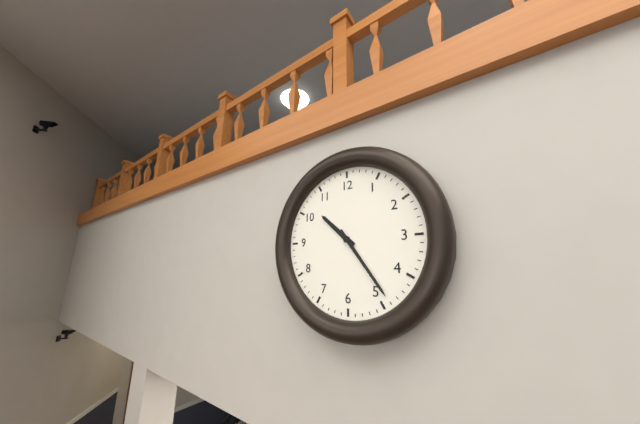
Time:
**10:24**
